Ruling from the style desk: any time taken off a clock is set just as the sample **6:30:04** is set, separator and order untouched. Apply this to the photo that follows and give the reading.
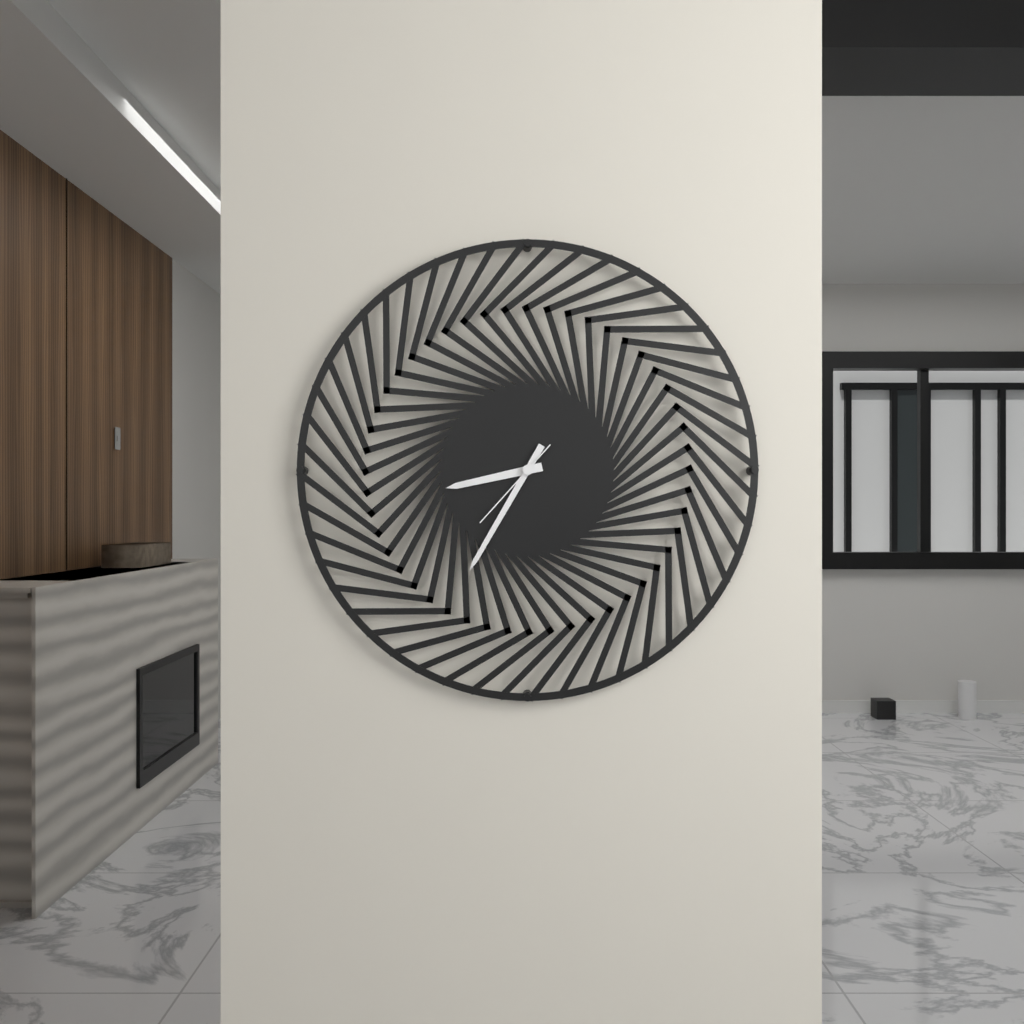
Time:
**8:35:37**
